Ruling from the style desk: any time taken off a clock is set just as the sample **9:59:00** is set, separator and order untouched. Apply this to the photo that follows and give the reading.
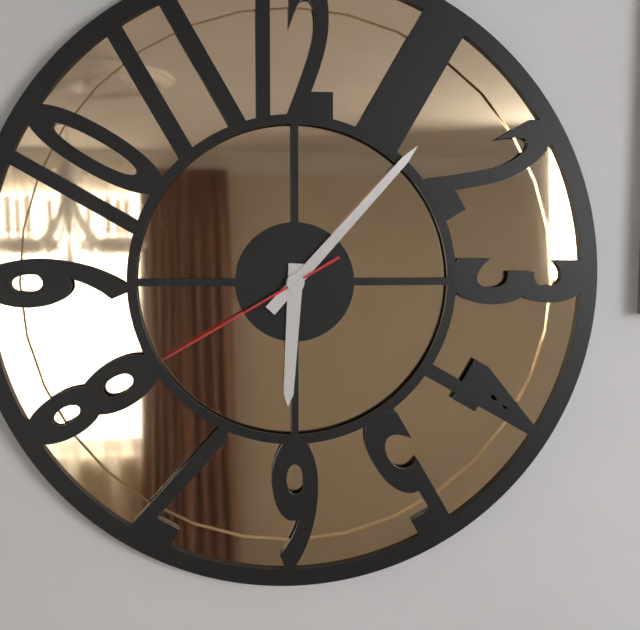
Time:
**6:07:40**
